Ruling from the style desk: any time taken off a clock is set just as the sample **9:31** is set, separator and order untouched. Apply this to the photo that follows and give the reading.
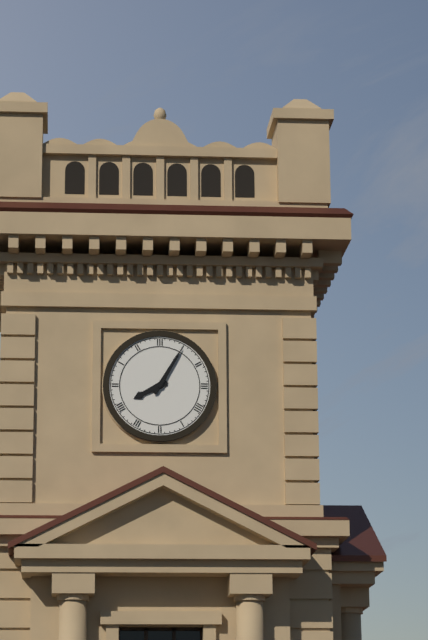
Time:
**8:05**
